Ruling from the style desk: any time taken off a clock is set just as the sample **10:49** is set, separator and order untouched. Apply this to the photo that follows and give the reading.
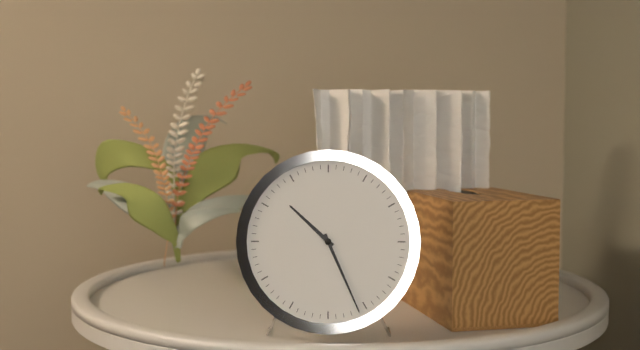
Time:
**10:26**
